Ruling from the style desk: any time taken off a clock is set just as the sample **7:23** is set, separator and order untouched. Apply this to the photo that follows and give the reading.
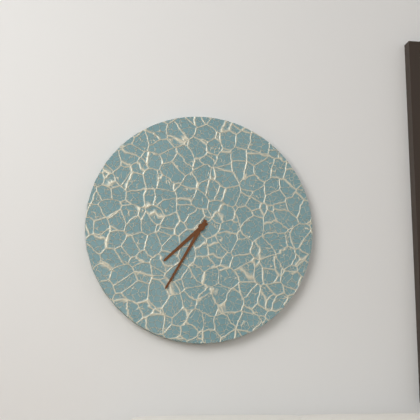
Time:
**7:35**
